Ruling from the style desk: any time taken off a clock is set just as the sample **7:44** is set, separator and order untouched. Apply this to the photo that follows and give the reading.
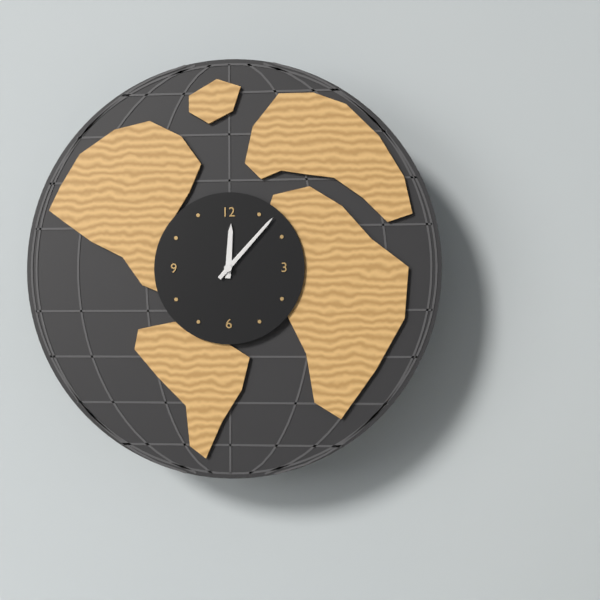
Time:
**12:07**
